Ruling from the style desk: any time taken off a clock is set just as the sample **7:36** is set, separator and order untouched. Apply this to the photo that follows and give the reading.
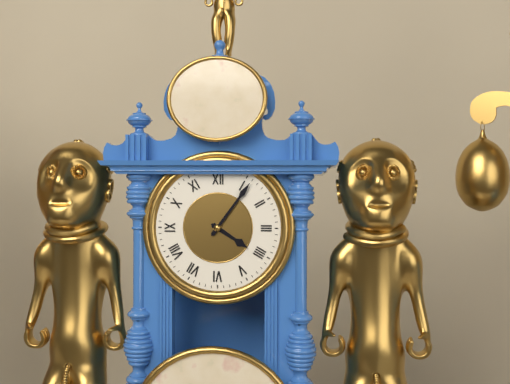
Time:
**4:06**
